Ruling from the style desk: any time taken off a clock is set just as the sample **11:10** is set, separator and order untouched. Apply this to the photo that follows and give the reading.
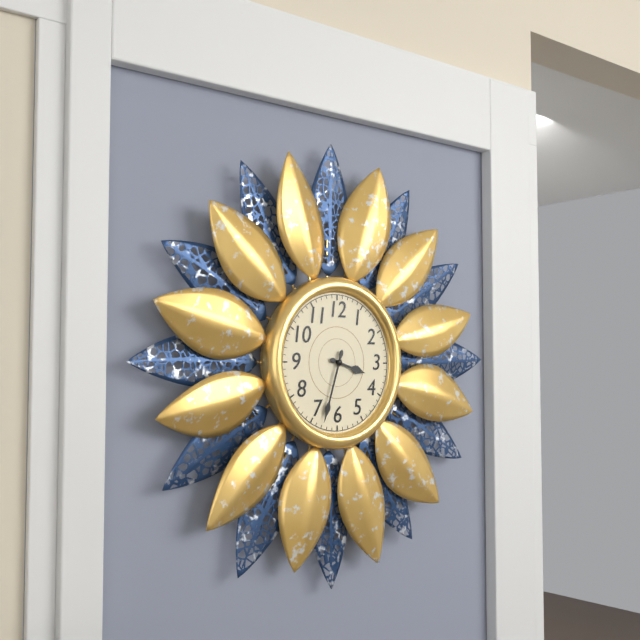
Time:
**3:33**
